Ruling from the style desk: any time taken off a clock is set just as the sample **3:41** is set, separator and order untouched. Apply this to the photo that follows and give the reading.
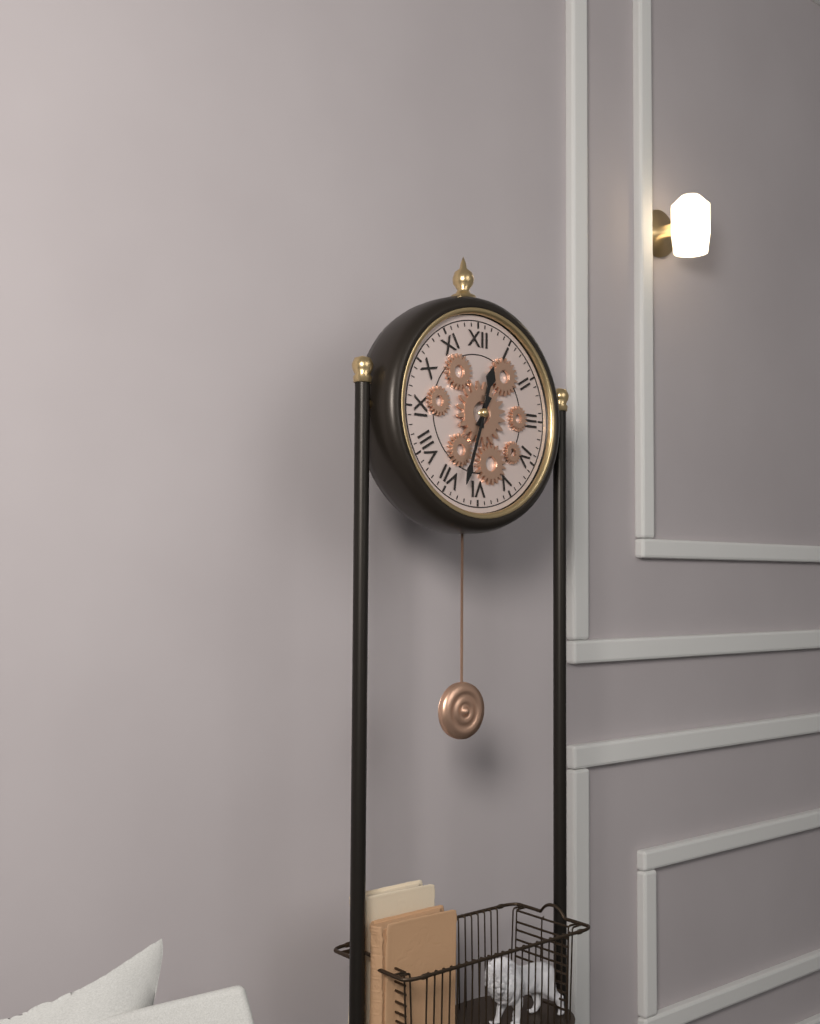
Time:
**12:33**
